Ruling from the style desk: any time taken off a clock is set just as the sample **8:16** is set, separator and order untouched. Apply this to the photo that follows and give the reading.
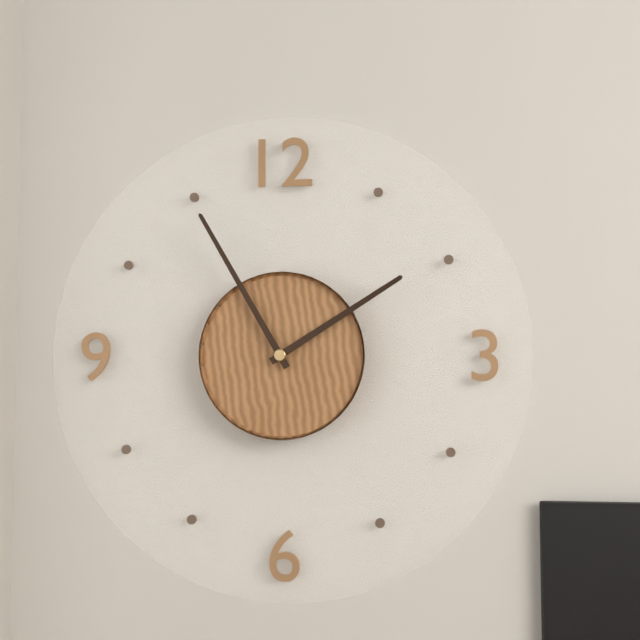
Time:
**1:55**
